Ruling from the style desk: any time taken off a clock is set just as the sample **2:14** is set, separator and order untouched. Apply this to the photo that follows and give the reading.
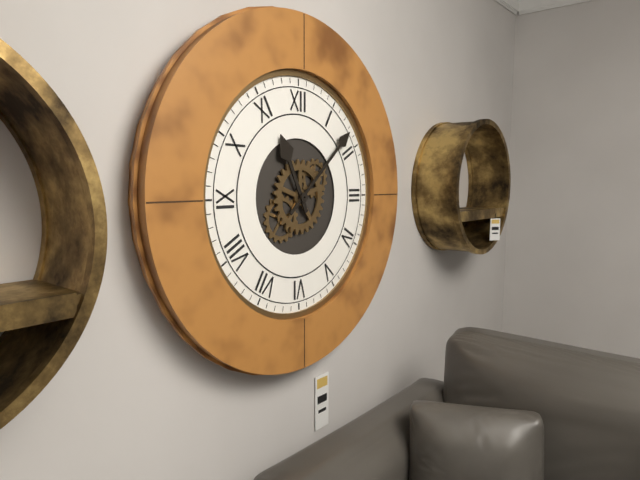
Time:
**11:08**
